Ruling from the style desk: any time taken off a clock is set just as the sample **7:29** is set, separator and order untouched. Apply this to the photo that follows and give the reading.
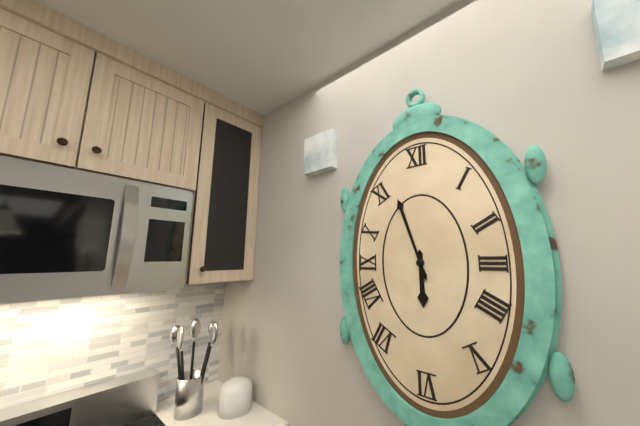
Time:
**5:57**
